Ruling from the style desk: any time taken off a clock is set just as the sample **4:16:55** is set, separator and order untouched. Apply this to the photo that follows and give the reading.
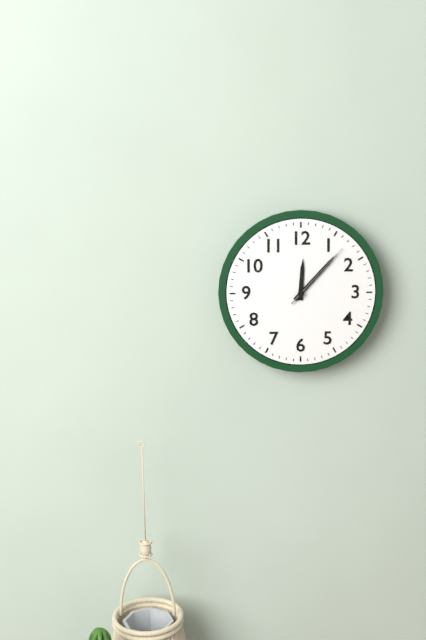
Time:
**12:07:07**
